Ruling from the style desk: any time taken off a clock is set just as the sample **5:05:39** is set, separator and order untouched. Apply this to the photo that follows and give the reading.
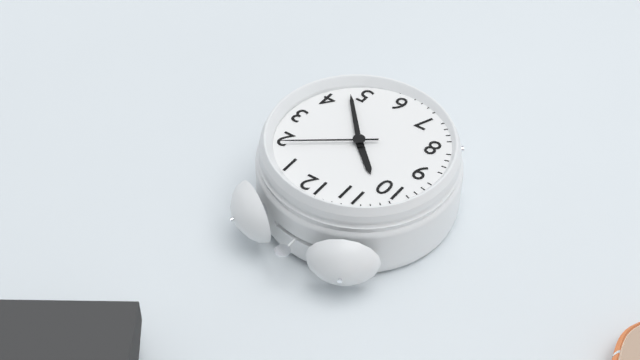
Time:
**10:23:09**
